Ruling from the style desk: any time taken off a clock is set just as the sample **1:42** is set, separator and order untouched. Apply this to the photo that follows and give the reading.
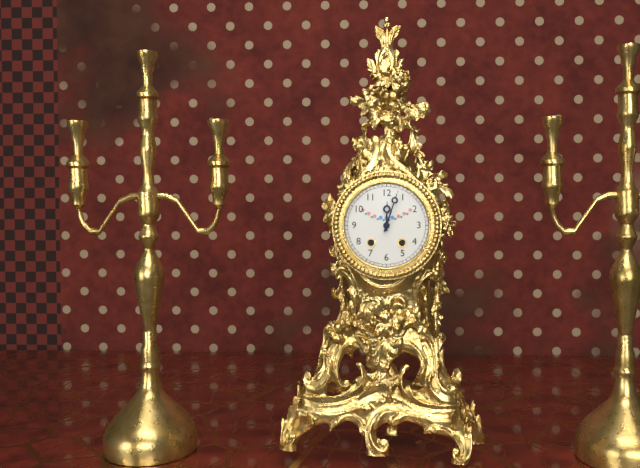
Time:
**12:03**
